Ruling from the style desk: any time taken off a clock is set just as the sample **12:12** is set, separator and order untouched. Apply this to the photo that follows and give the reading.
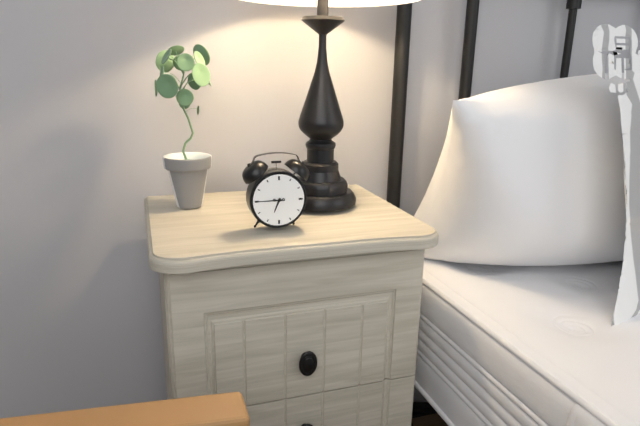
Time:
**6:45**
